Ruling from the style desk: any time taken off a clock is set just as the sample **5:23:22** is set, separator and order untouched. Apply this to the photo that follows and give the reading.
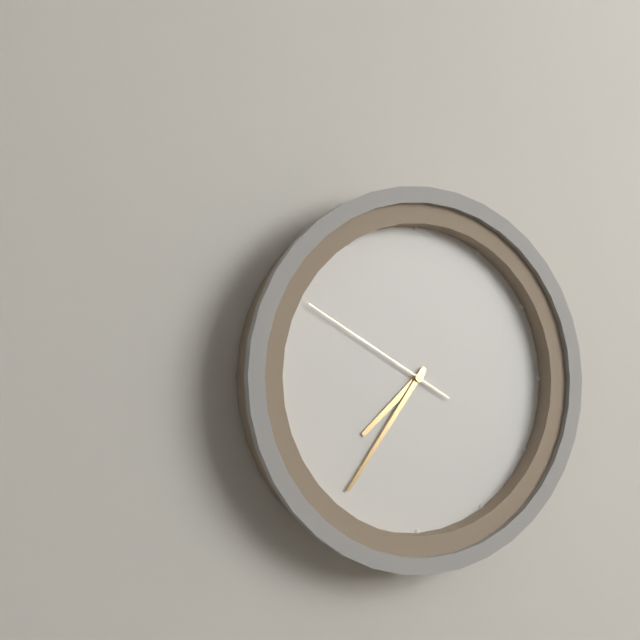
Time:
**7:36:50**
